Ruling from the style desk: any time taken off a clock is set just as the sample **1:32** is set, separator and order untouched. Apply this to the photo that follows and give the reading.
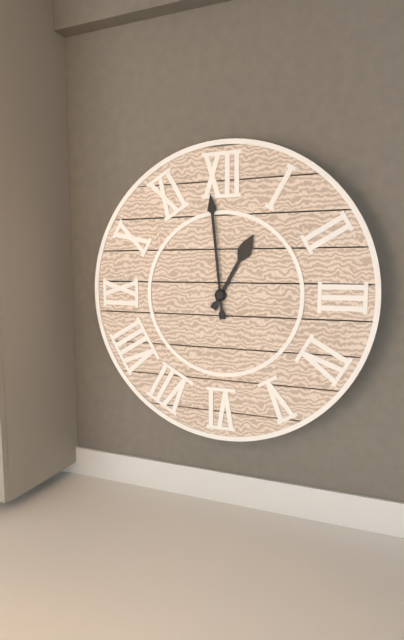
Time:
**12:59**
